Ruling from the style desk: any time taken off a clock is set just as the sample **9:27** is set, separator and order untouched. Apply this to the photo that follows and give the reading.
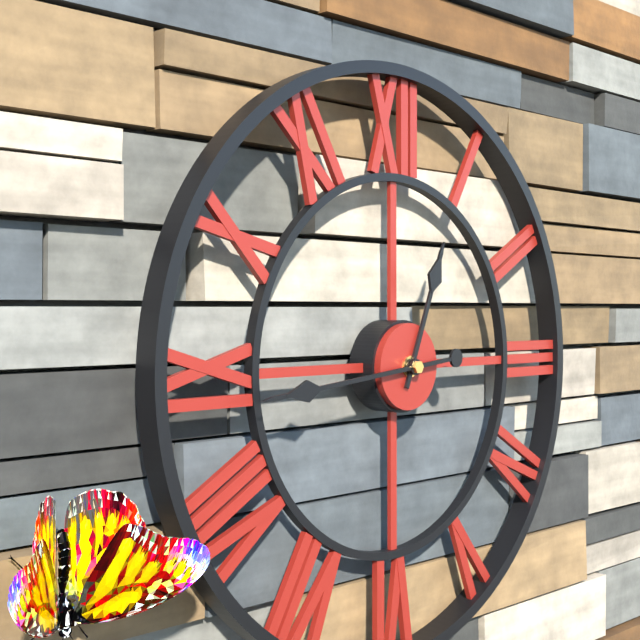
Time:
**12:44**
